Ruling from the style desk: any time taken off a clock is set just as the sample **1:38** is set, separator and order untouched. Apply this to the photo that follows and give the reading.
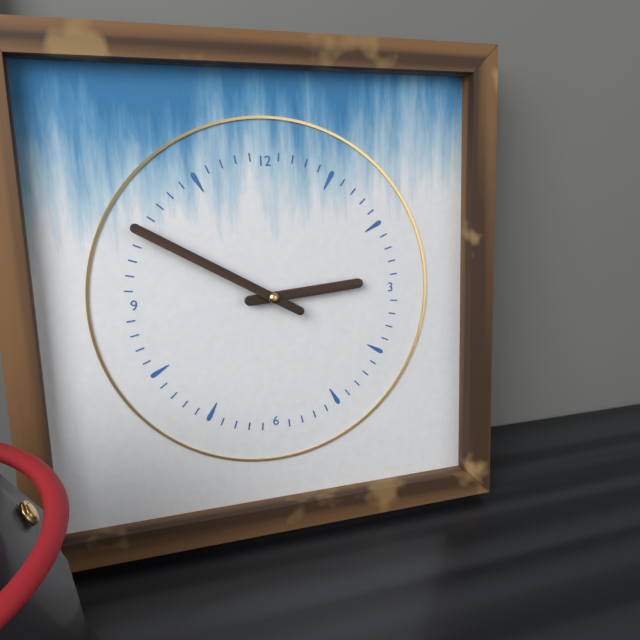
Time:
**2:50**
